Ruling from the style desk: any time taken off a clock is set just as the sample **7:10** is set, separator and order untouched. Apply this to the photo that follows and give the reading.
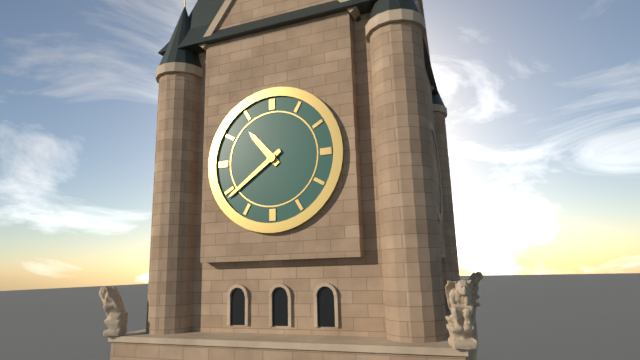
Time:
**10:39**
